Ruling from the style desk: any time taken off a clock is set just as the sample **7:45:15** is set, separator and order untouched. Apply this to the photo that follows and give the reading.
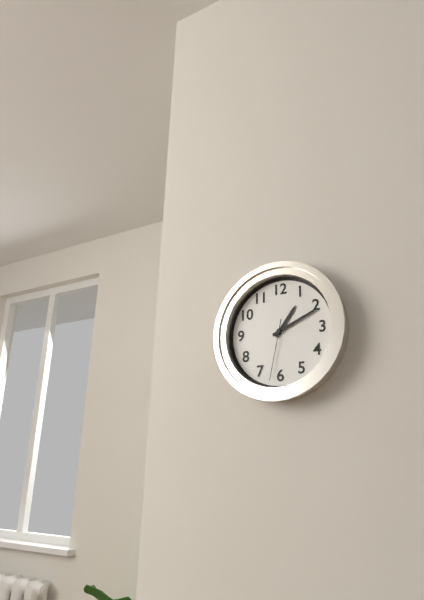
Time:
**1:11:32**
